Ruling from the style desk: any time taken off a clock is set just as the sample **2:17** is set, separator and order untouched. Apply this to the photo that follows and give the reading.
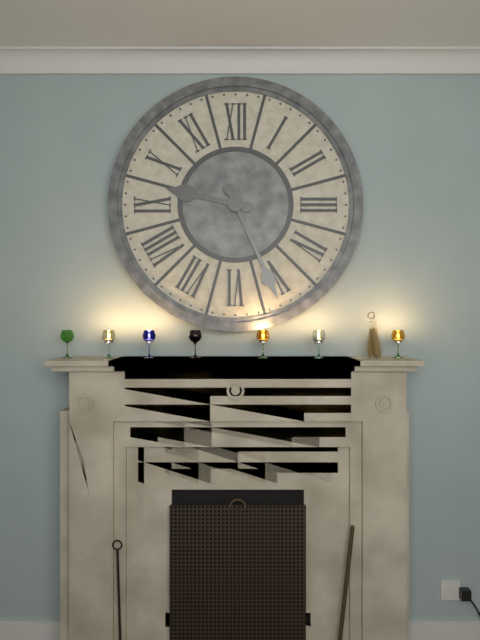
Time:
**9:26**
